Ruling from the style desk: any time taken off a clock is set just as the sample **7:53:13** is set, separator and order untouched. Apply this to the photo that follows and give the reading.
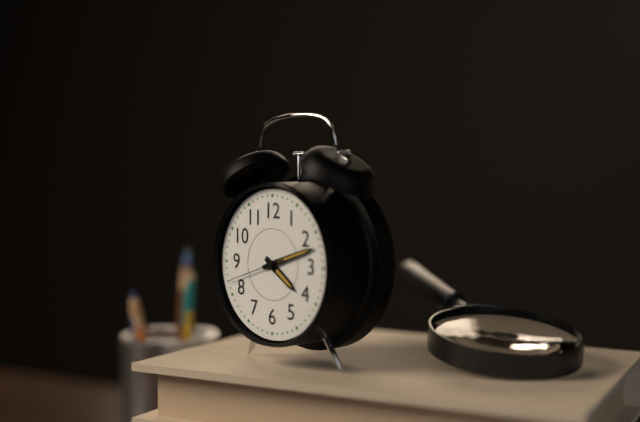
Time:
**4:12:42**
